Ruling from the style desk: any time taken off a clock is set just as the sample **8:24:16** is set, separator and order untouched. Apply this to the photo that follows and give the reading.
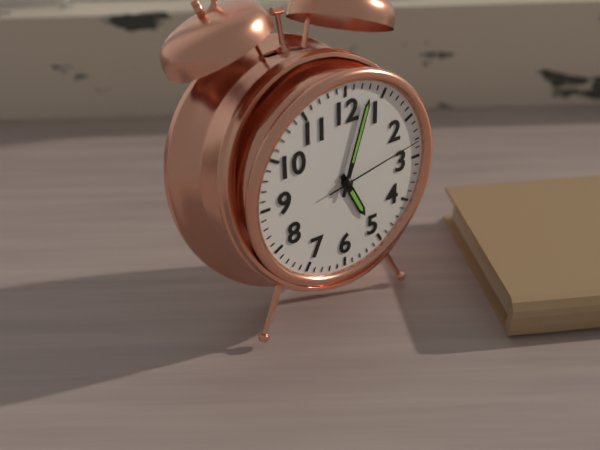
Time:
**5:03:13**
